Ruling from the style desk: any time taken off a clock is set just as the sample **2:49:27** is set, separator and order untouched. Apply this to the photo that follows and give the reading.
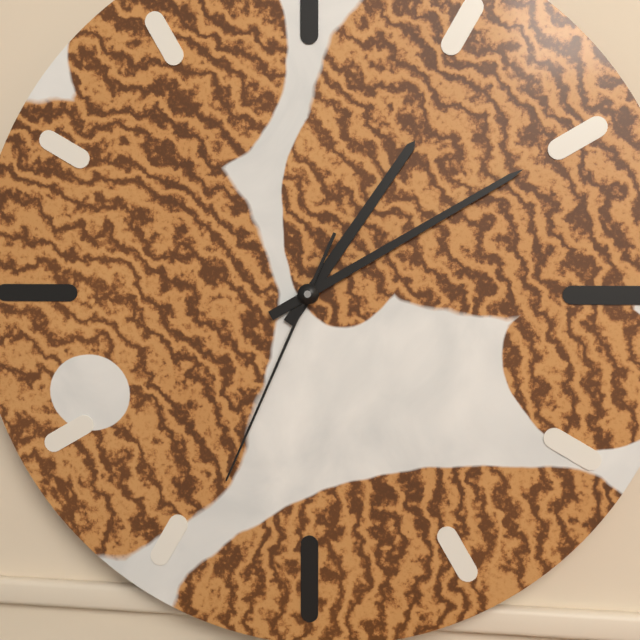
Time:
**1:10:34**
